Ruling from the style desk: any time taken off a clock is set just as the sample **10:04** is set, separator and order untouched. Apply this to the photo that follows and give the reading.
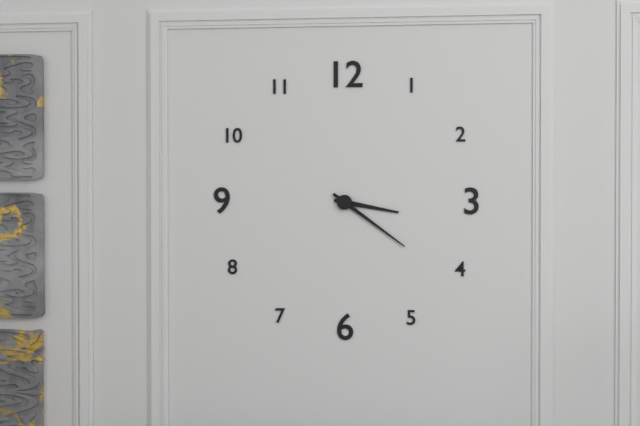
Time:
**3:21**
